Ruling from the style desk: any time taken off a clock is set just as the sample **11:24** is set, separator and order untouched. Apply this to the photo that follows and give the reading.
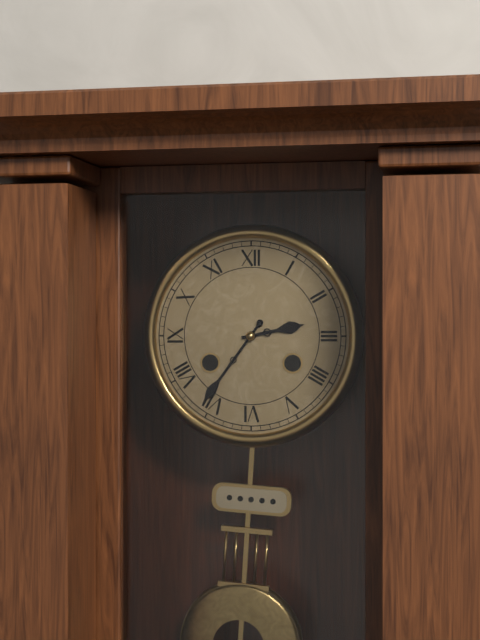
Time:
**2:36**
